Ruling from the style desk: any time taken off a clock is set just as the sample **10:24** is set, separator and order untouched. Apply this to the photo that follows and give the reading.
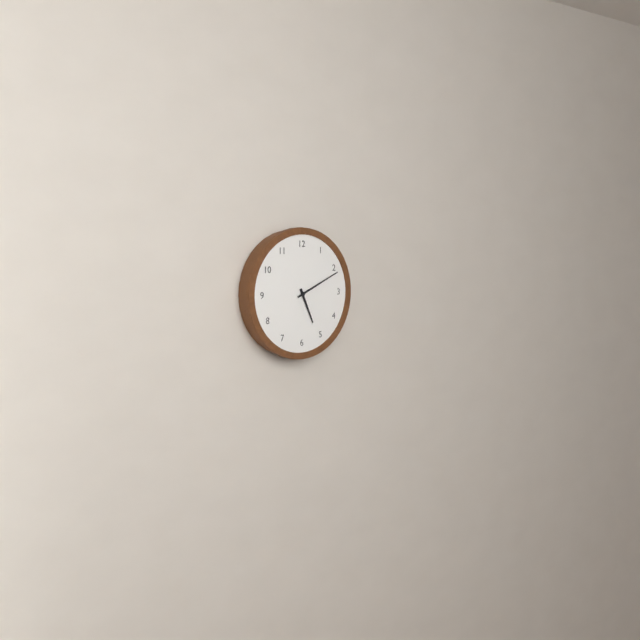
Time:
**5:11**
